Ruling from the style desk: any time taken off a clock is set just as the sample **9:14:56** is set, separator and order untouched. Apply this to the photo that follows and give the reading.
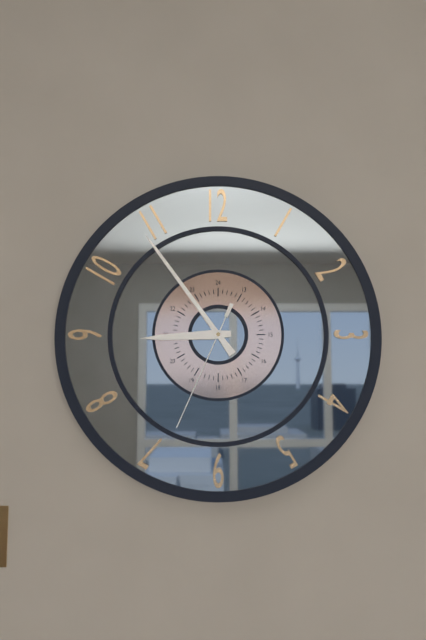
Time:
**8:54:34**
